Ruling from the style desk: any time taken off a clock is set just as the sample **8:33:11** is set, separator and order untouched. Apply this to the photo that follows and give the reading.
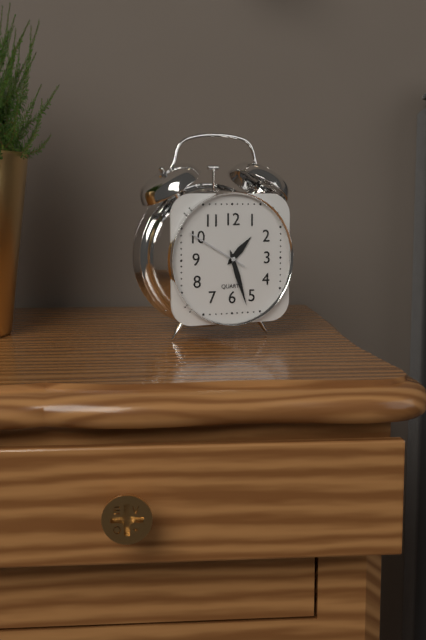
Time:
**1:27:50**
